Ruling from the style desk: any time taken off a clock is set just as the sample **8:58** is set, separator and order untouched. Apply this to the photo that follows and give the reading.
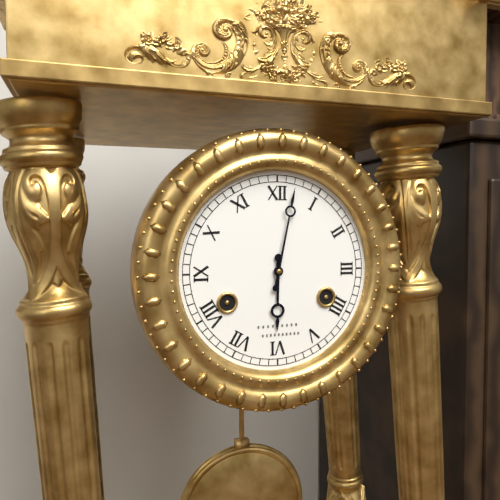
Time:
**6:02**
